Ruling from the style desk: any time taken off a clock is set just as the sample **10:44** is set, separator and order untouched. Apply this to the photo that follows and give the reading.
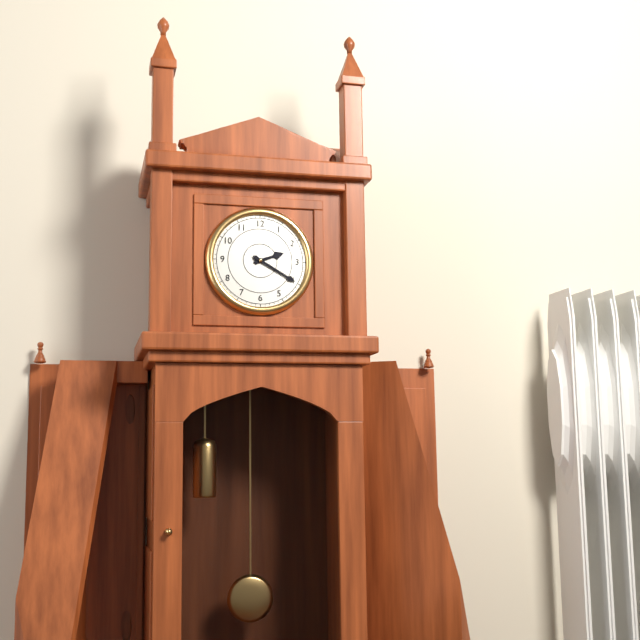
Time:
**2:20**
